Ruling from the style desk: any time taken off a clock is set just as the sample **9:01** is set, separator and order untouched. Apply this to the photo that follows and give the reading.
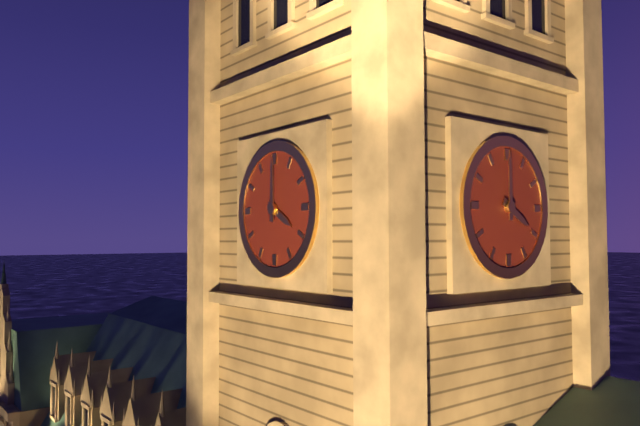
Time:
**4:00**
